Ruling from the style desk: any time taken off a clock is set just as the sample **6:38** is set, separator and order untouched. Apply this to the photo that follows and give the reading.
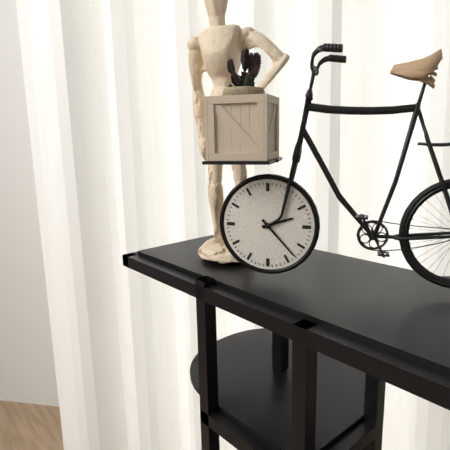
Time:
**2:23**
